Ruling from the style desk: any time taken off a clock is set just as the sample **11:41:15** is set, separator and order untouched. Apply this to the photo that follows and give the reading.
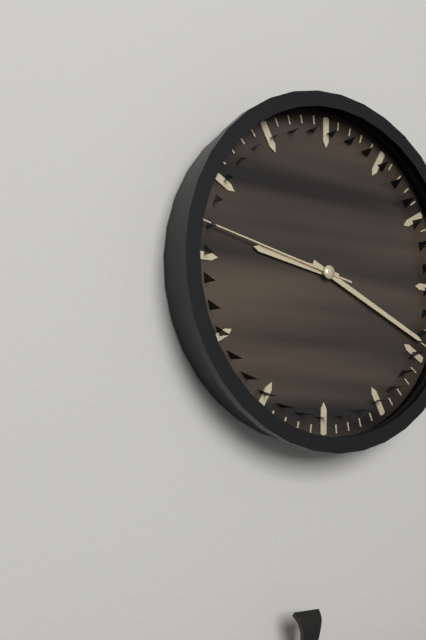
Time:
**9:19:47**
